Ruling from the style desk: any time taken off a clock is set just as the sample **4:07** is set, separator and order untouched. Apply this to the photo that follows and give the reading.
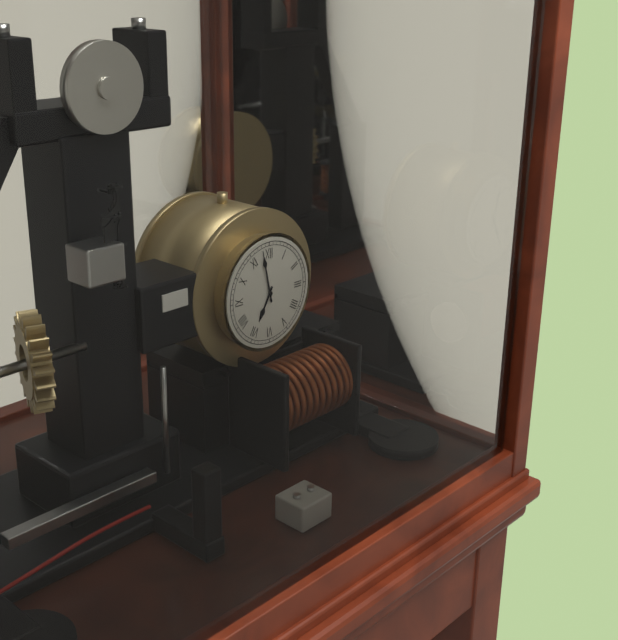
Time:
**6:58**
